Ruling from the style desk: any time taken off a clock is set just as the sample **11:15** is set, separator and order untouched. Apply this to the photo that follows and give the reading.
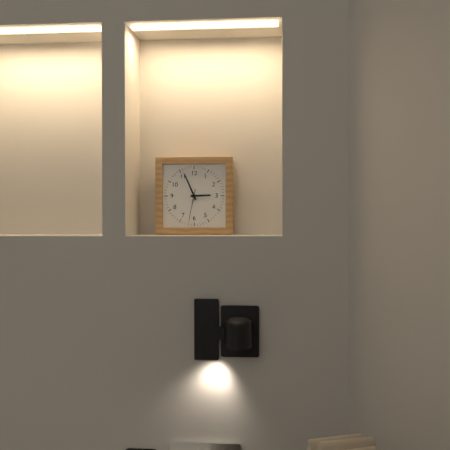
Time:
**2:56**
